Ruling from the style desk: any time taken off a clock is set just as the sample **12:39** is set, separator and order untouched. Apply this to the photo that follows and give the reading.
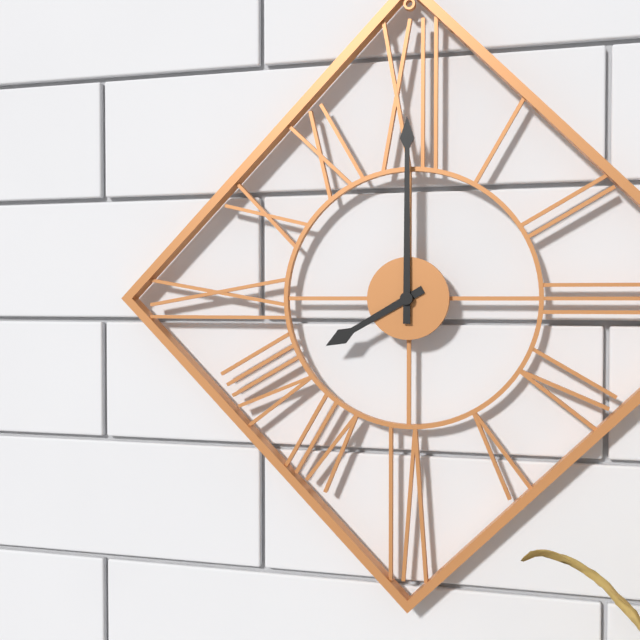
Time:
**8:00**
